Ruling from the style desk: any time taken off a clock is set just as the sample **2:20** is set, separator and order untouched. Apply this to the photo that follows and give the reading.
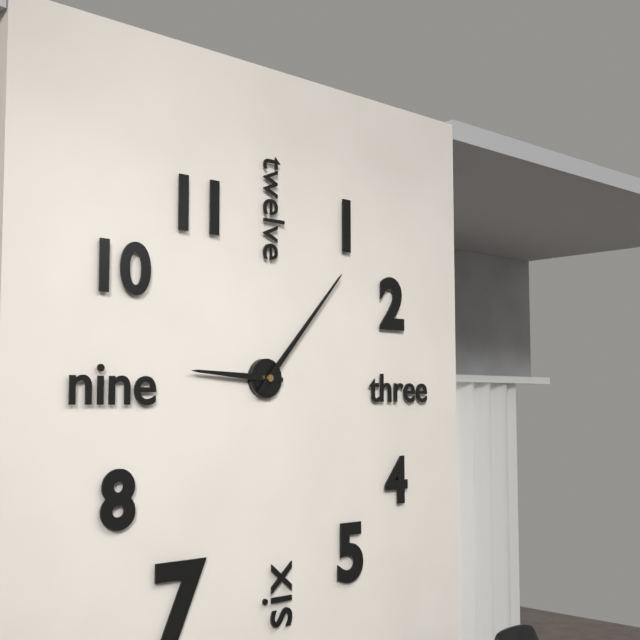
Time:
**9:07**
